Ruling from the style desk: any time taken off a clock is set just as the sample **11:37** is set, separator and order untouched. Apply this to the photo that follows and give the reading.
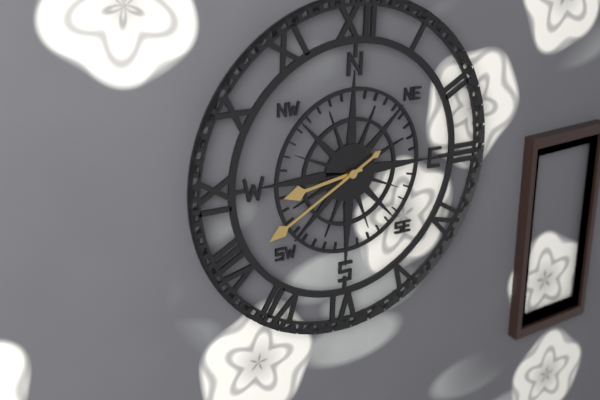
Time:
**8:40**
